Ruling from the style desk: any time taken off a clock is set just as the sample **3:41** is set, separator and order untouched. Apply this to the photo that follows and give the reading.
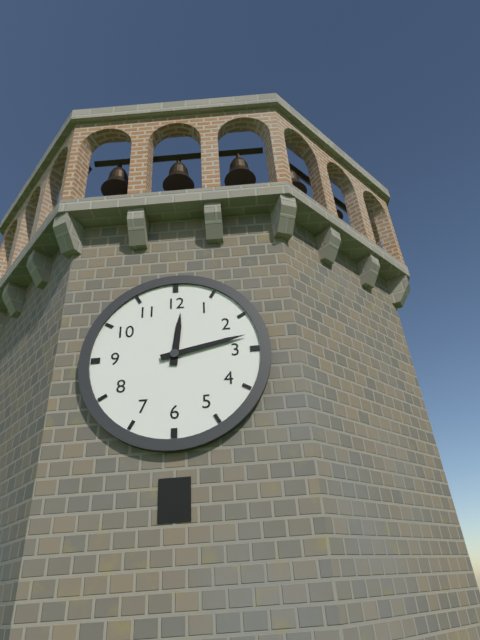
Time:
**12:13**
